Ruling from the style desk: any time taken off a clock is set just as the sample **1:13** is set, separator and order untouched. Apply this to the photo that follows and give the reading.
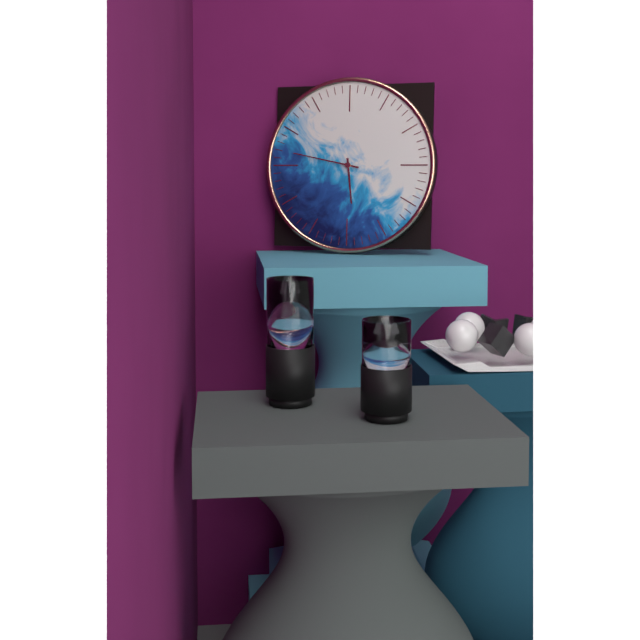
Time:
**5:47**
